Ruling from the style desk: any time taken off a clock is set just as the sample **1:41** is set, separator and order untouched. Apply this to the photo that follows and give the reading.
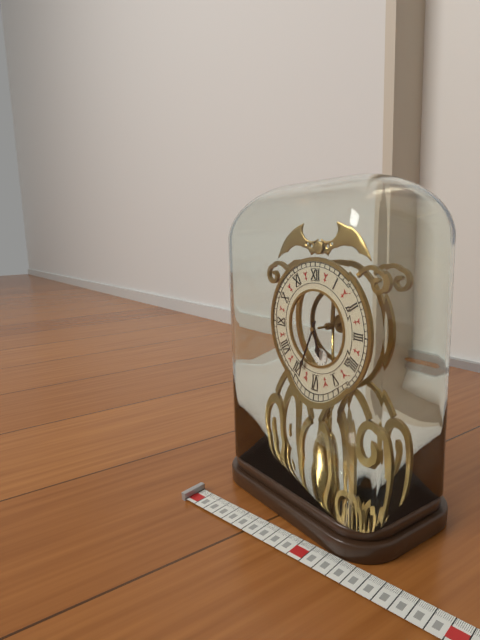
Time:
**5:34**
